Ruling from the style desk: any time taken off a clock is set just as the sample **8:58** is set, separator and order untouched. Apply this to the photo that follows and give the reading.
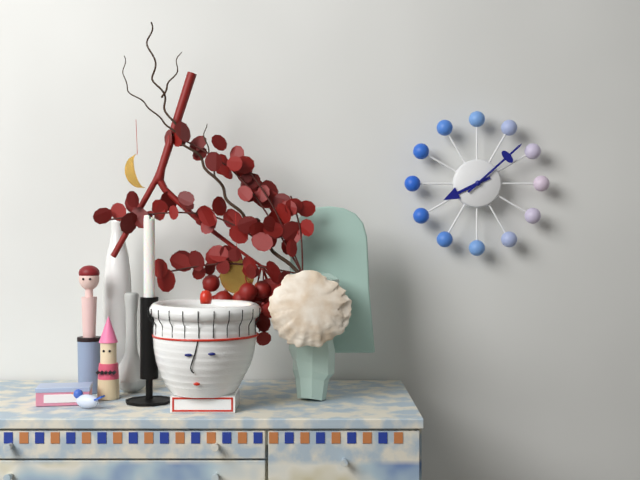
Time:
**8:08**
